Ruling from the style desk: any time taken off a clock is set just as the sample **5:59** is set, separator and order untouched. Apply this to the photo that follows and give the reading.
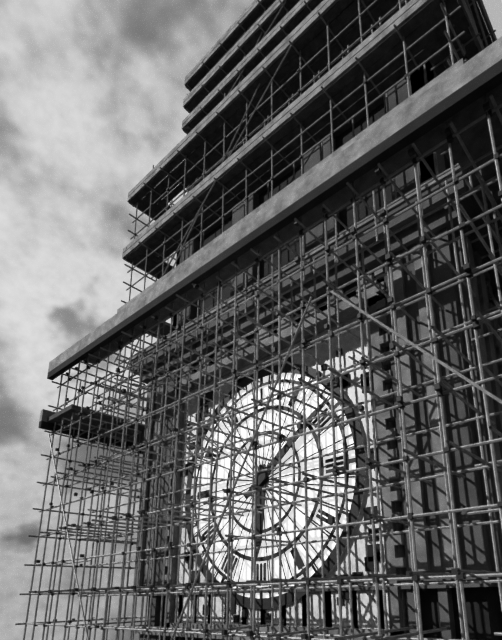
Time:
**6:09**
